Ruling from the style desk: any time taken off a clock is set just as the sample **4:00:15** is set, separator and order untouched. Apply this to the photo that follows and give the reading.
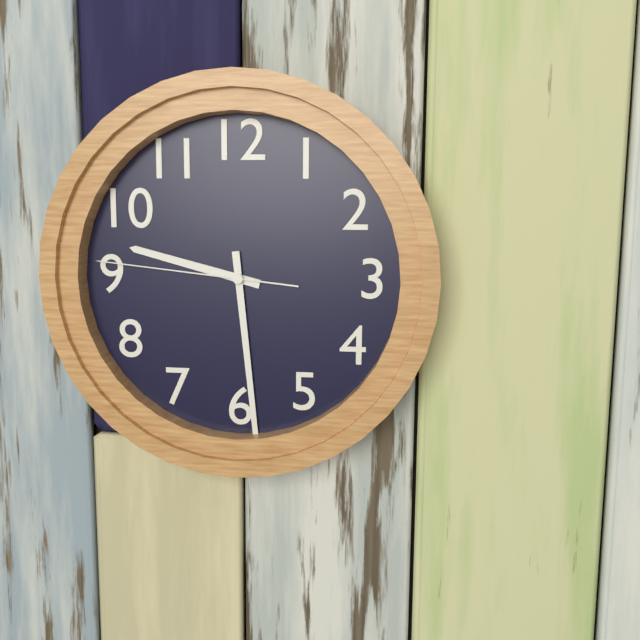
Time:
**9:29:46**
